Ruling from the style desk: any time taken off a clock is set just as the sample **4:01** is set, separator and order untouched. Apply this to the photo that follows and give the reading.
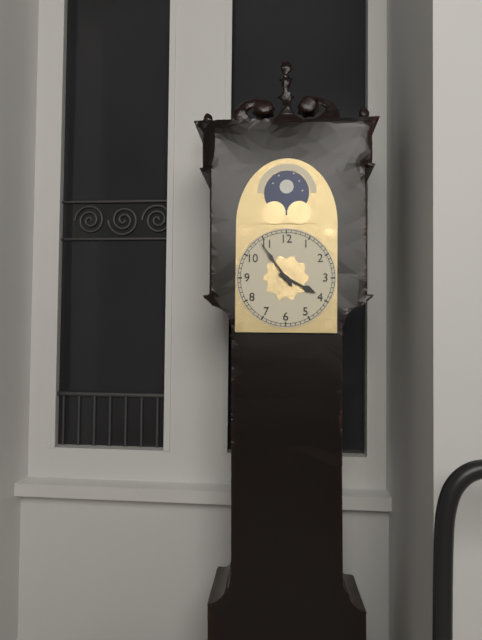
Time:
**3:54**
